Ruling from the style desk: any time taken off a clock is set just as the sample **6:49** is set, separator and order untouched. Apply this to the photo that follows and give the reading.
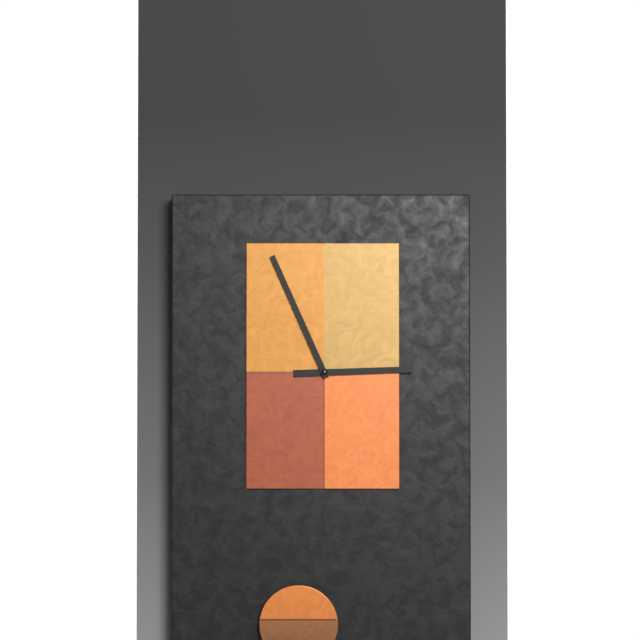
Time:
**2:56**
